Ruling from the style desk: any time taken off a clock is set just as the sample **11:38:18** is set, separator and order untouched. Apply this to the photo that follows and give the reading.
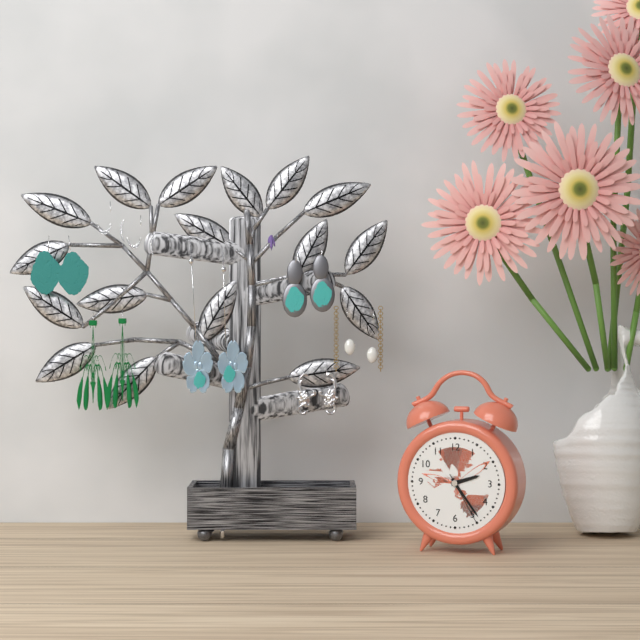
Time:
**2:24:25**
